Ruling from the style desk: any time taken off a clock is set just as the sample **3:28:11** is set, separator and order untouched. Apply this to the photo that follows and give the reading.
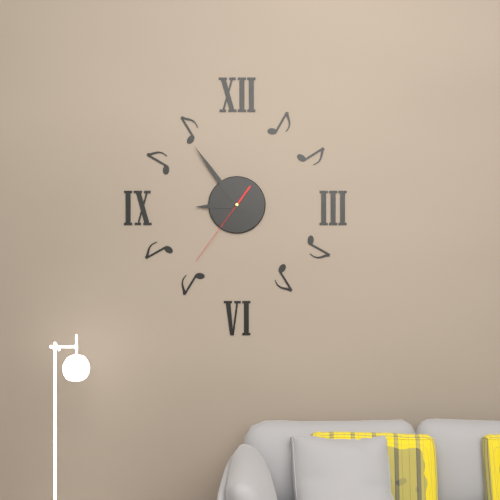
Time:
**8:54:36**
